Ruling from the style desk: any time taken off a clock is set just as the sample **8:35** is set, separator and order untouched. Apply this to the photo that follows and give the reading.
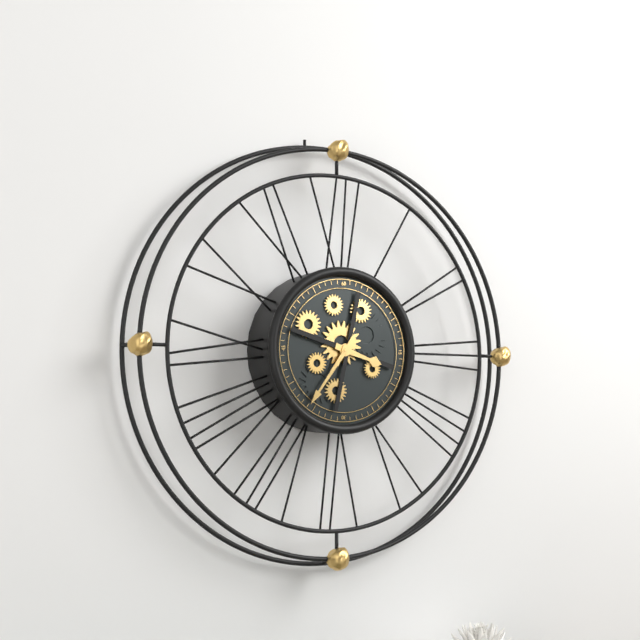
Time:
**3:36**
